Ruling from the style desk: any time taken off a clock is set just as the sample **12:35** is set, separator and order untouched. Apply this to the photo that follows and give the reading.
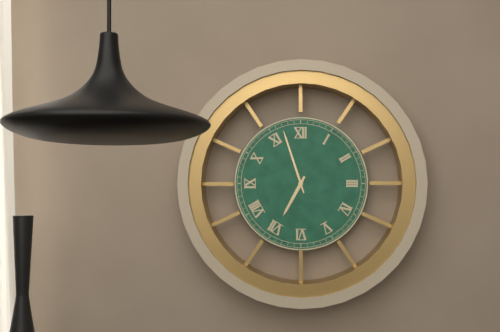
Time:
**6:57**
